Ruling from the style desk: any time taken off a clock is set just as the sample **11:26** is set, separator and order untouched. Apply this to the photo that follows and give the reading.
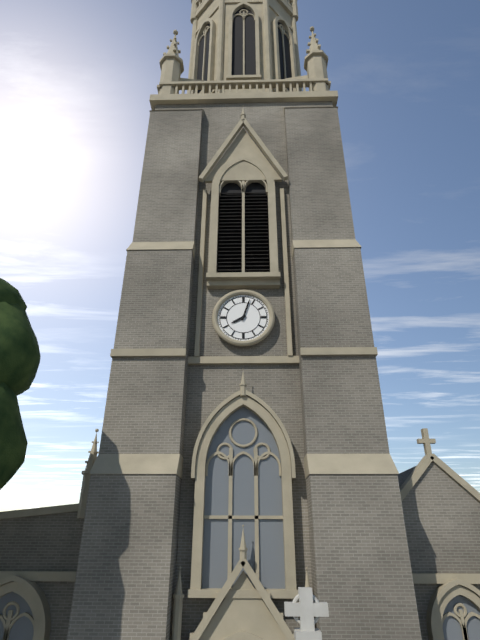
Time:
**8:03**
